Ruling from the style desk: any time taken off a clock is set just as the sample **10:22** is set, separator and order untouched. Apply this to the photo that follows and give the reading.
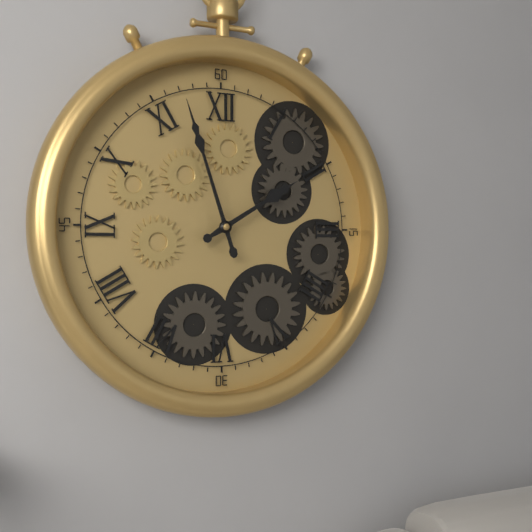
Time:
**1:57**
